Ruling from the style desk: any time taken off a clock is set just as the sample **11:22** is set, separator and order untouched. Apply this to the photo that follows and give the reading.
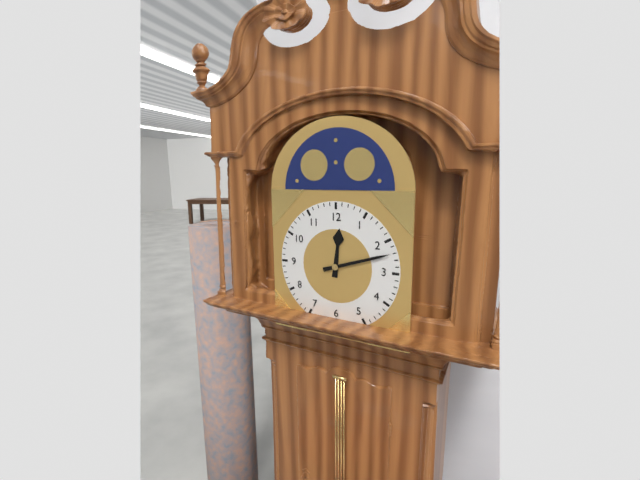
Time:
**12:12**
